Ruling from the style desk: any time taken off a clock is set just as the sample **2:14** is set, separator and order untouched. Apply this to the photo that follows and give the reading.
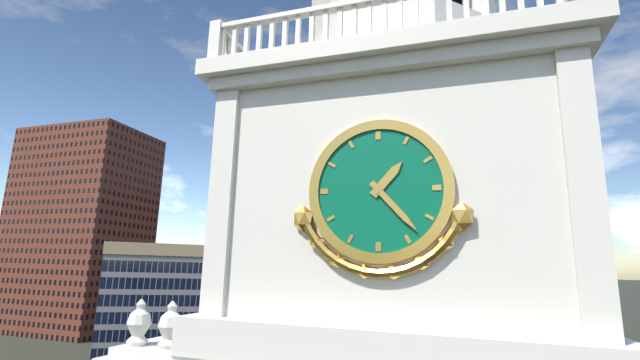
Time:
**1:23**
